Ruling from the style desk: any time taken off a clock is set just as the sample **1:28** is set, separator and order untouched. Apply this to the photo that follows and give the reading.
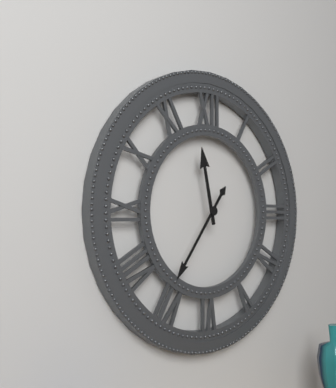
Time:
**11:36**
